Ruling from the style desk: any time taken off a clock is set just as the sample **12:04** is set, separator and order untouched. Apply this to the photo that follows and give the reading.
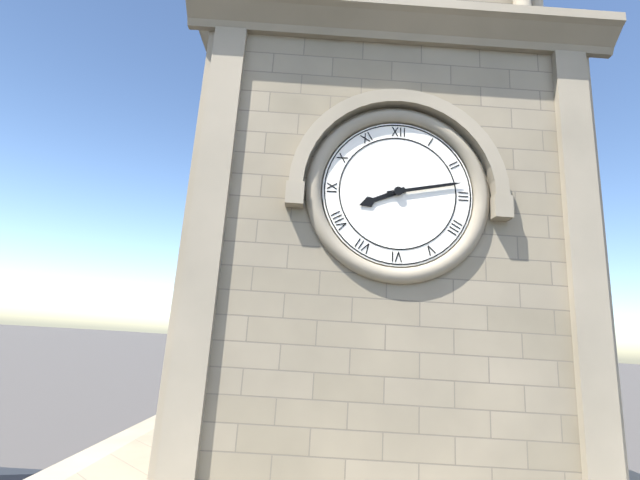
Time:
**8:13**
